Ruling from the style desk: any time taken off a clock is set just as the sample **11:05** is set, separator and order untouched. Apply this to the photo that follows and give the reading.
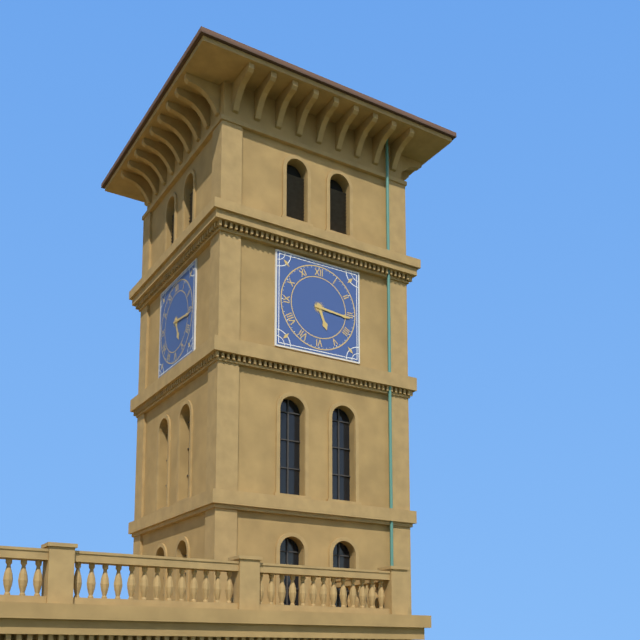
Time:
**5:16**
